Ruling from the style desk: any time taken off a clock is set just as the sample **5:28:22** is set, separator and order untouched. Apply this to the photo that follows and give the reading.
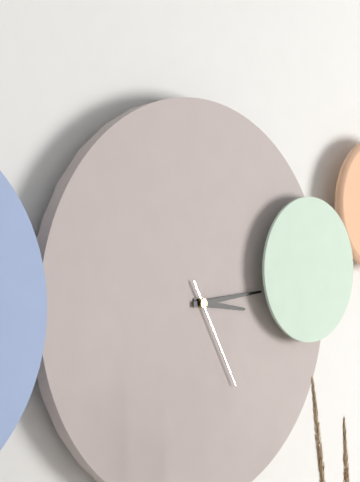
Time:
**3:14:25**
